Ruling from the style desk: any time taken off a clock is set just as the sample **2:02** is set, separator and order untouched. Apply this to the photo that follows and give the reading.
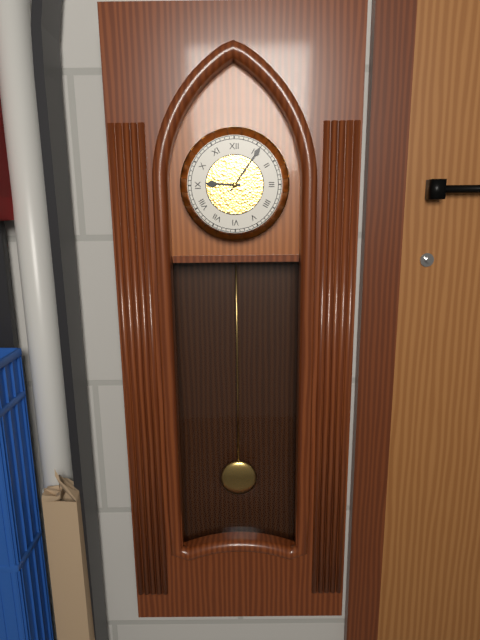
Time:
**9:06**
